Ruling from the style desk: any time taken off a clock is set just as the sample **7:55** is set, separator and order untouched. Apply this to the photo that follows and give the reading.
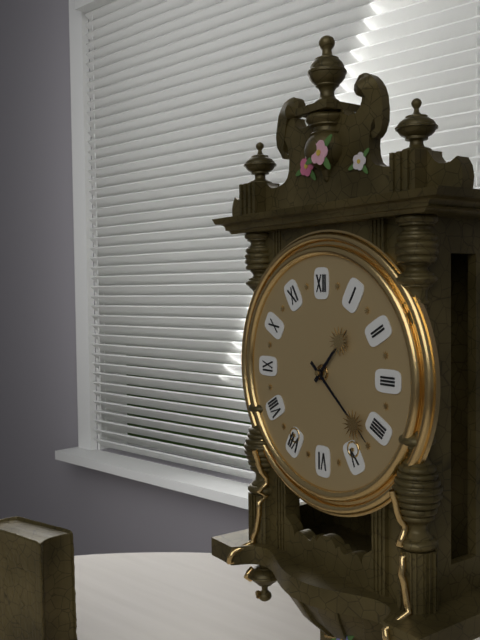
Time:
**1:22**
